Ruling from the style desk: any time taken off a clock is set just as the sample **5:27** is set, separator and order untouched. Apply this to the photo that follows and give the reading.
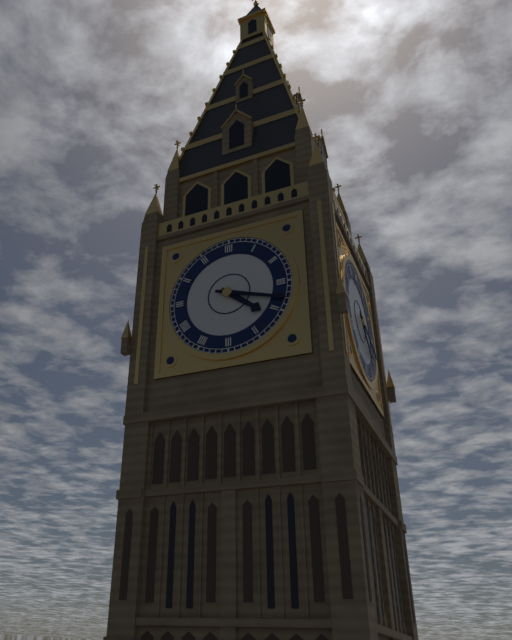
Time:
**4:18**
